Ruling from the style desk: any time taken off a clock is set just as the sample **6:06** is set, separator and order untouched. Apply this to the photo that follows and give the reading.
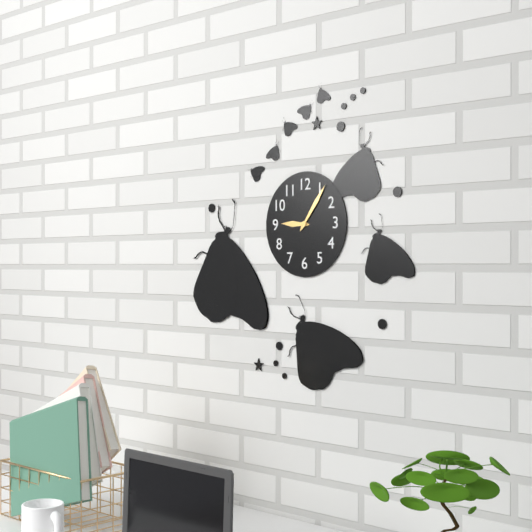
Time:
**9:06**
